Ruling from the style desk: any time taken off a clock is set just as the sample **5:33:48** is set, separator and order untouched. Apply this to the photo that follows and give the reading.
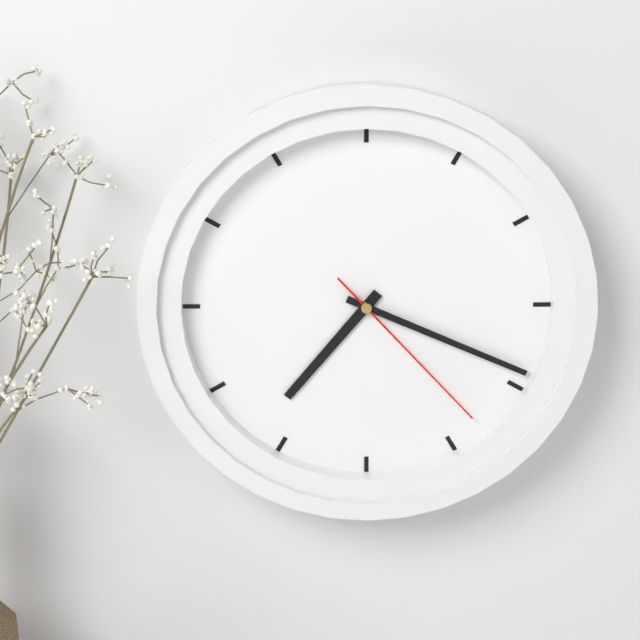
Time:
**7:19:23**
